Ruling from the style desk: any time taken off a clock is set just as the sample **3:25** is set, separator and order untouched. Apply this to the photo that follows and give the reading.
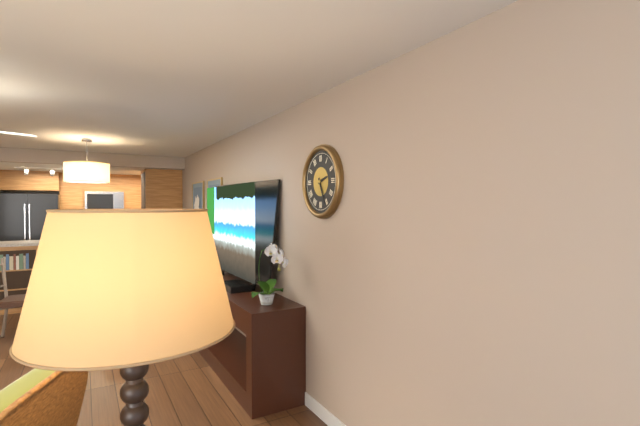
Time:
**2:26**
